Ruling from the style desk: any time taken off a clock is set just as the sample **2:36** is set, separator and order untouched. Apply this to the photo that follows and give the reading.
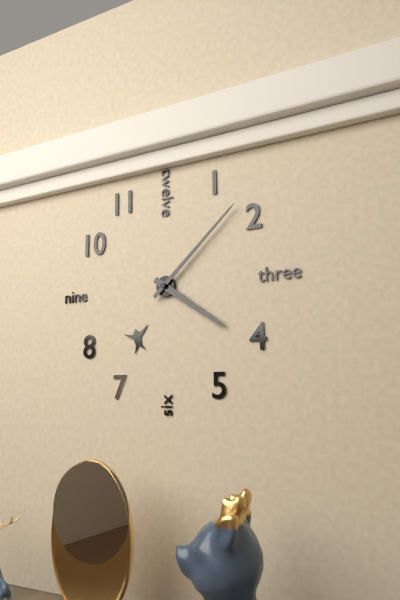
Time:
**4:08**
